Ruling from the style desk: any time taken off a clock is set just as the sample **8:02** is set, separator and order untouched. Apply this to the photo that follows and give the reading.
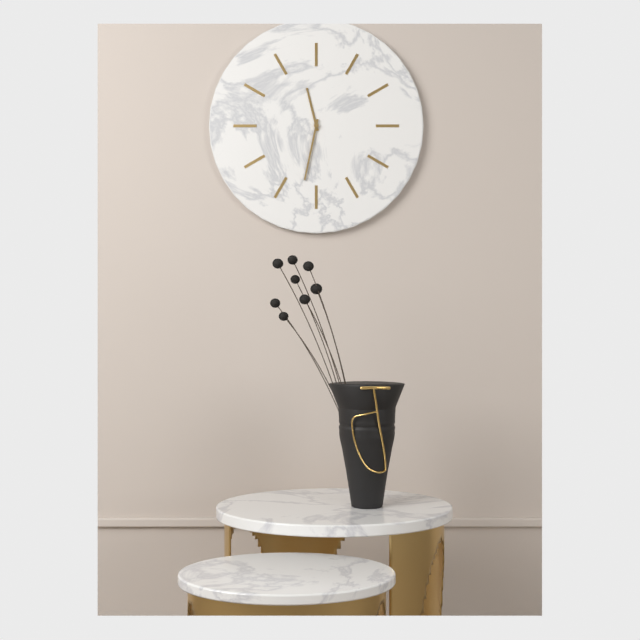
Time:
**11:32**
